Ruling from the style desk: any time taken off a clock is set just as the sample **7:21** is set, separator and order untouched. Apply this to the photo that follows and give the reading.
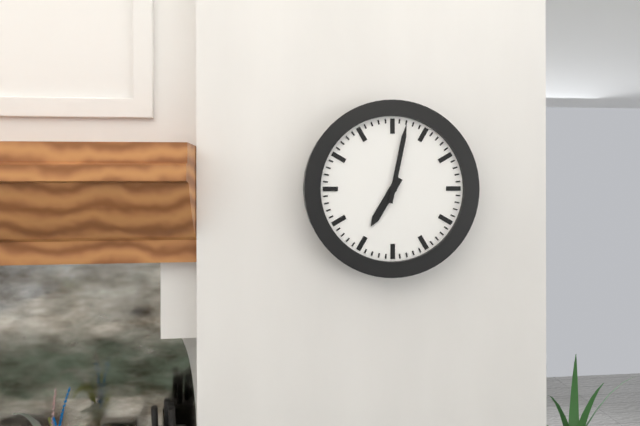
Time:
**7:02**
